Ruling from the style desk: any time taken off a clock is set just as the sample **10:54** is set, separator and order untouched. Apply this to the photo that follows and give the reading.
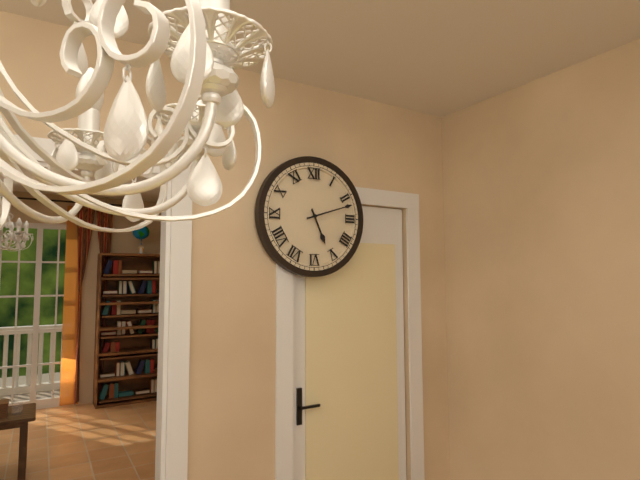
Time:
**5:12**
